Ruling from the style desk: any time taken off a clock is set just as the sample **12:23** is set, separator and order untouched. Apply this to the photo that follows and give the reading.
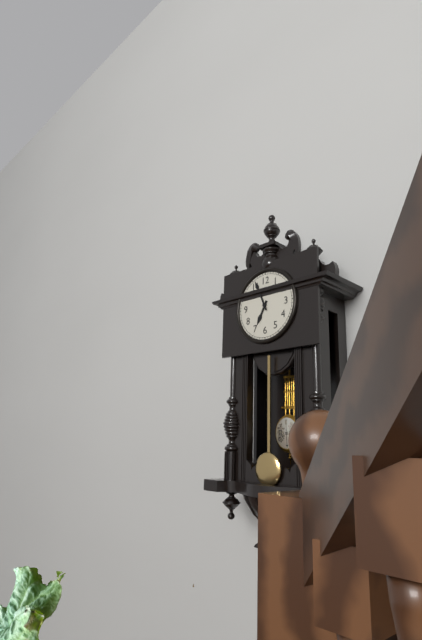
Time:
**6:56**
